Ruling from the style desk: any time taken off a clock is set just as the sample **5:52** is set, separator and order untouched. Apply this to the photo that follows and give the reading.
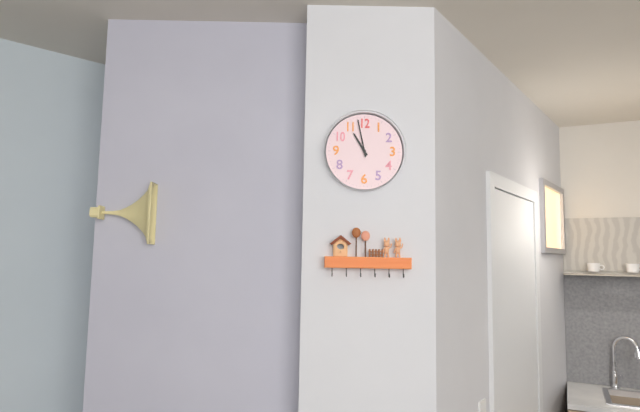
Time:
**10:58**
